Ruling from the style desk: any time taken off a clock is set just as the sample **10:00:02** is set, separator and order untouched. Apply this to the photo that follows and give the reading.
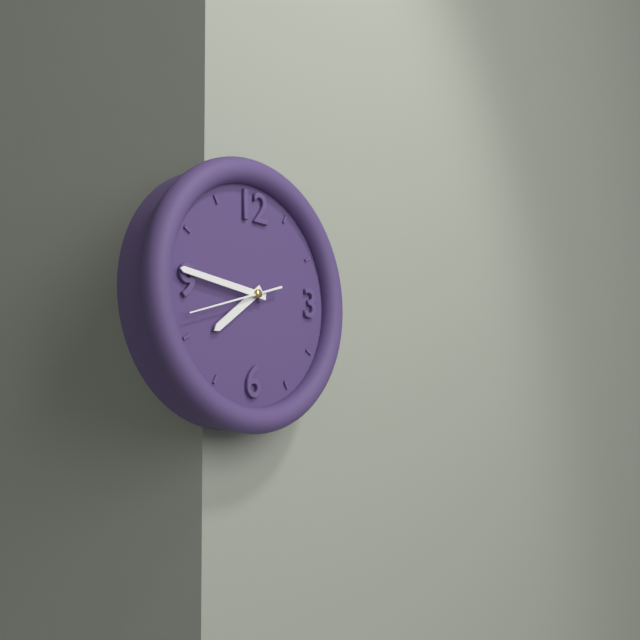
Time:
**7:46:42**
